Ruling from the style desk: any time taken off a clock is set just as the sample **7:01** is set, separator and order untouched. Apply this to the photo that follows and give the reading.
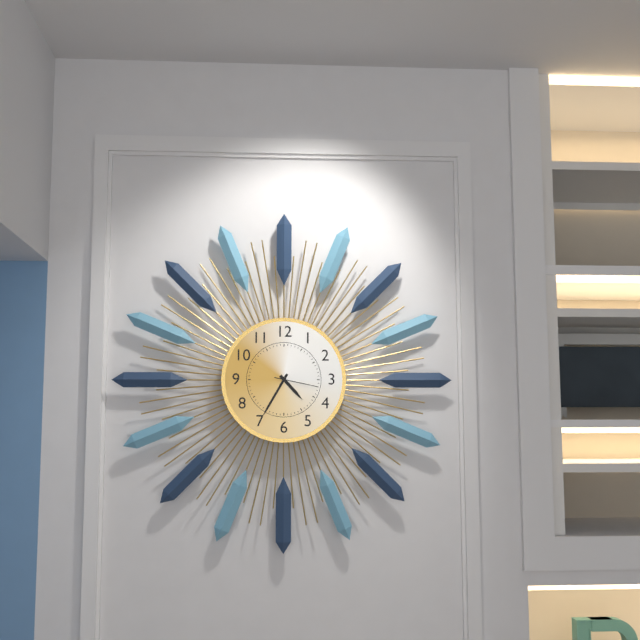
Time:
**4:35**
